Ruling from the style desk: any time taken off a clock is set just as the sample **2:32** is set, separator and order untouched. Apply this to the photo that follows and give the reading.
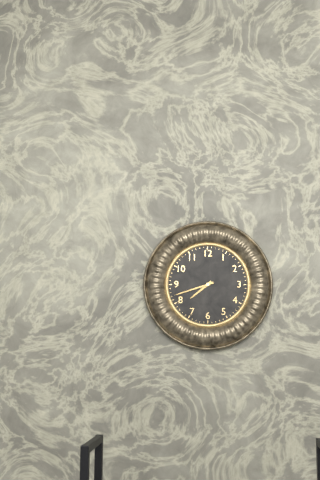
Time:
**7:42**
